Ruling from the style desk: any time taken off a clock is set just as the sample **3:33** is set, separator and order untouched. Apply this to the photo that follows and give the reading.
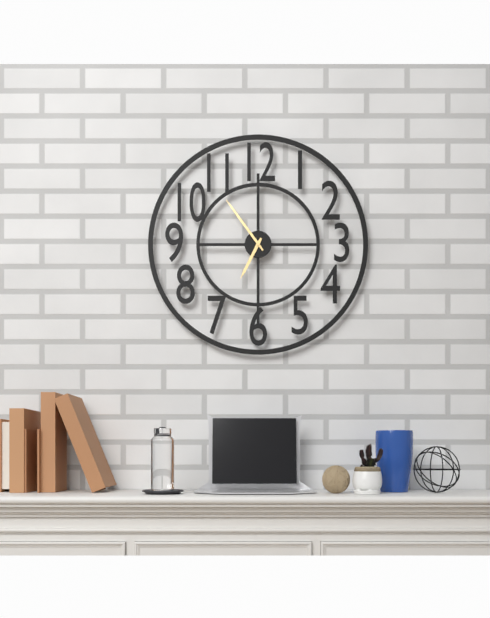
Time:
**6:54**
